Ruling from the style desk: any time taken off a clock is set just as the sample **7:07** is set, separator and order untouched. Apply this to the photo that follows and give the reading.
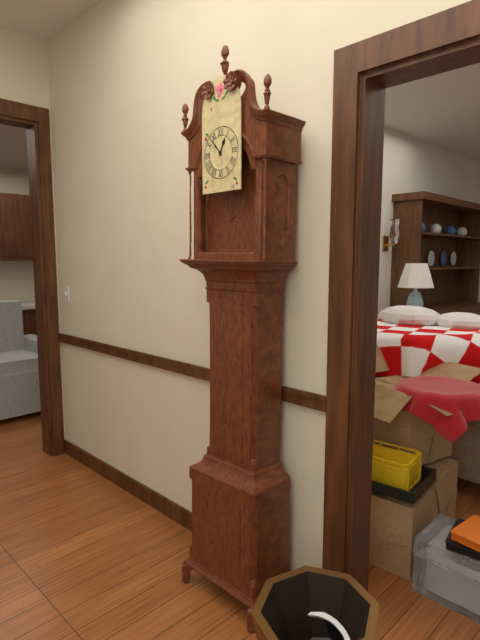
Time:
**12:53**
